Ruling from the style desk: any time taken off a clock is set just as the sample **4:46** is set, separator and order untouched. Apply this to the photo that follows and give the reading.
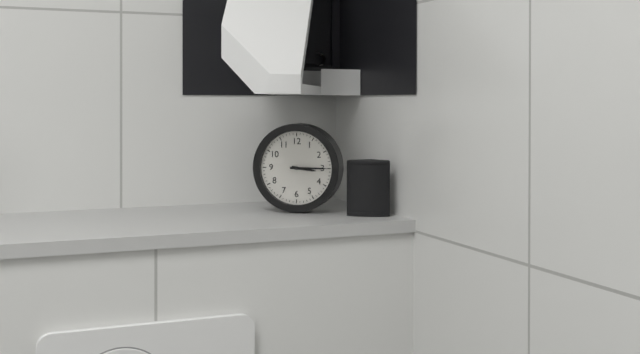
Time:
**3:15**
